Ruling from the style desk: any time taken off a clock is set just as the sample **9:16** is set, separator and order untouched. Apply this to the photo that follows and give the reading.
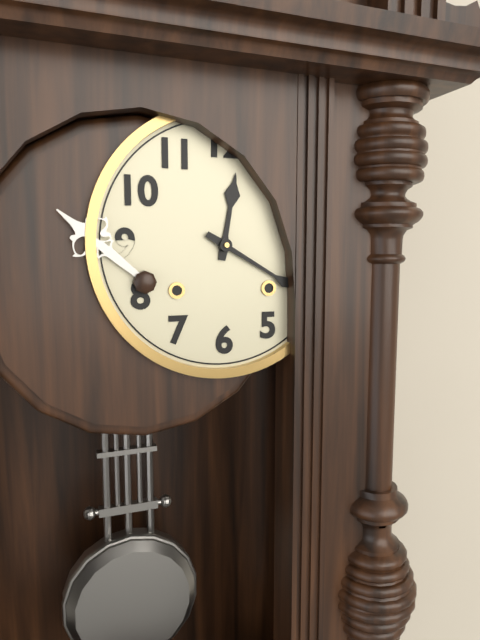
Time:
**12:20**
